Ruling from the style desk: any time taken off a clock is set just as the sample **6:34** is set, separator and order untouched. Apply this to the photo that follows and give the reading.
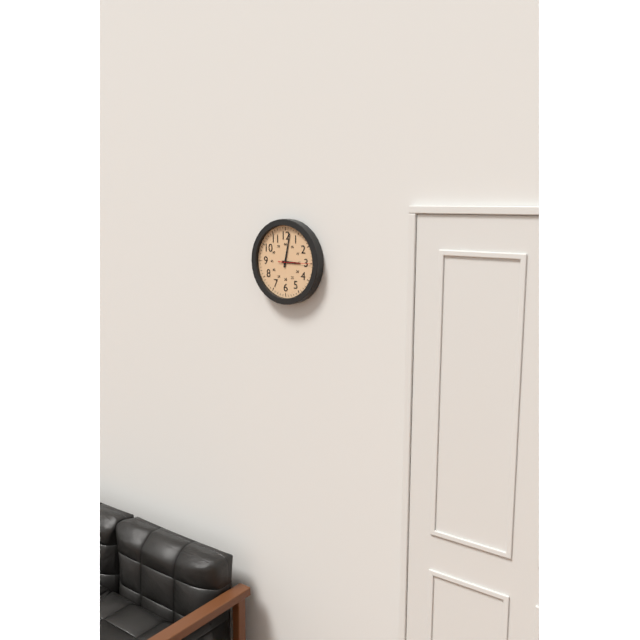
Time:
**3:02**
